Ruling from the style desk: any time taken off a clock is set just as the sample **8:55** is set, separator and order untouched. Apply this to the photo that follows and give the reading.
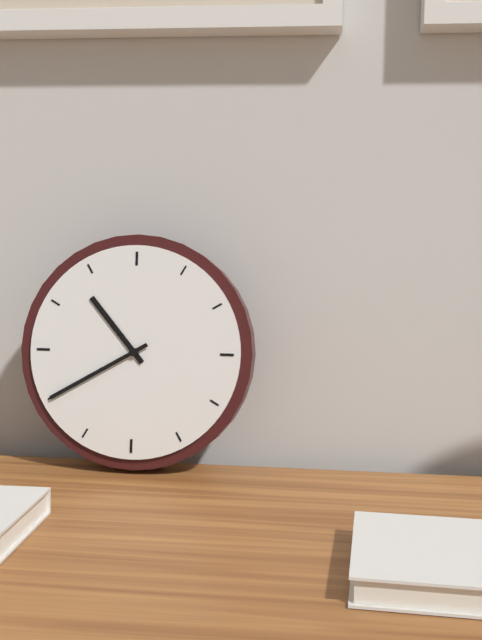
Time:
**10:40**
